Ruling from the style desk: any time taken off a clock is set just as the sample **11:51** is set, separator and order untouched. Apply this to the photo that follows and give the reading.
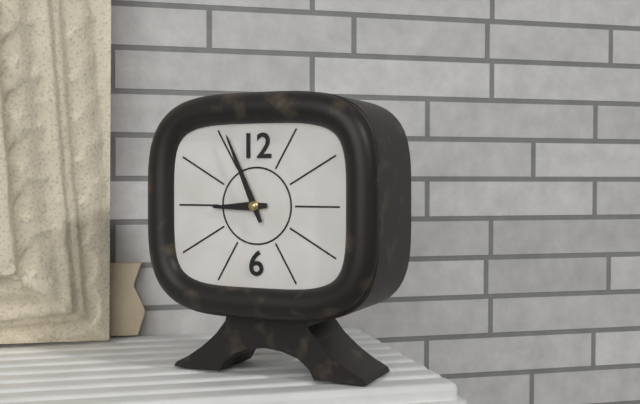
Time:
**8:56**
